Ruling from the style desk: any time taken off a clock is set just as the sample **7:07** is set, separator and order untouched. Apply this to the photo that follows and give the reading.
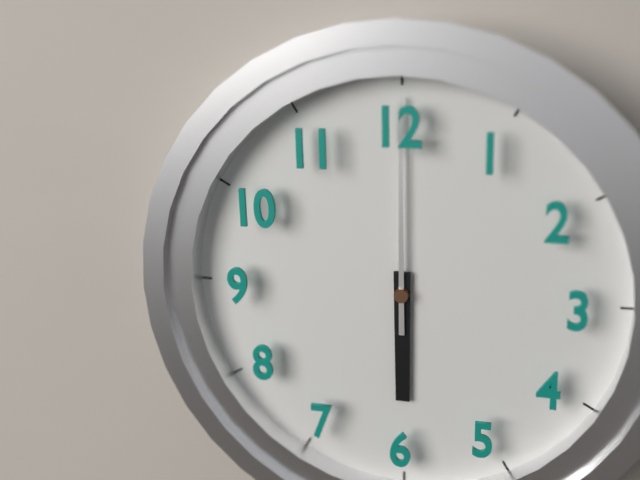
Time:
**6:00**
